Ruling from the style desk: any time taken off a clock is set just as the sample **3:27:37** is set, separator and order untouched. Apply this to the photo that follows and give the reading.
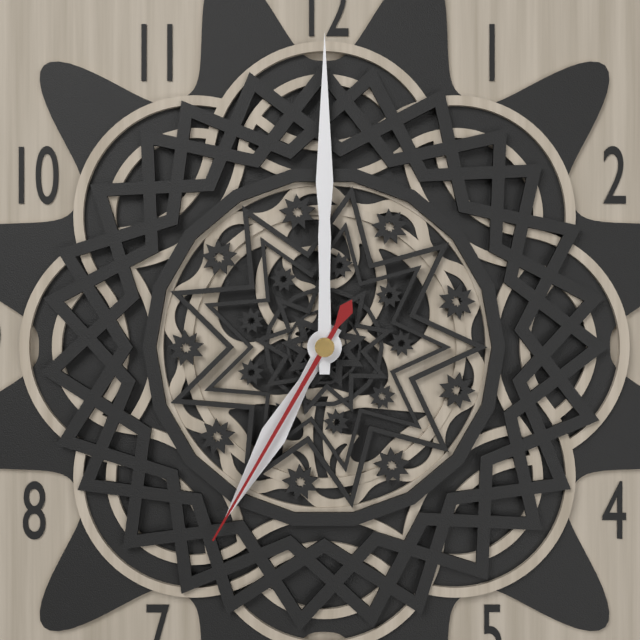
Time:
**7:00:35**
